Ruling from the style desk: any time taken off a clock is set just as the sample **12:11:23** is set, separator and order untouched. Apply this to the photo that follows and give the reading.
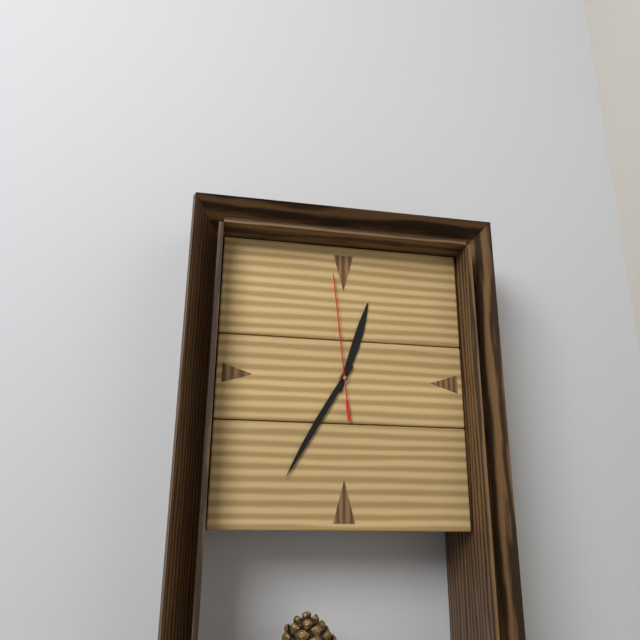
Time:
**12:35:59**
